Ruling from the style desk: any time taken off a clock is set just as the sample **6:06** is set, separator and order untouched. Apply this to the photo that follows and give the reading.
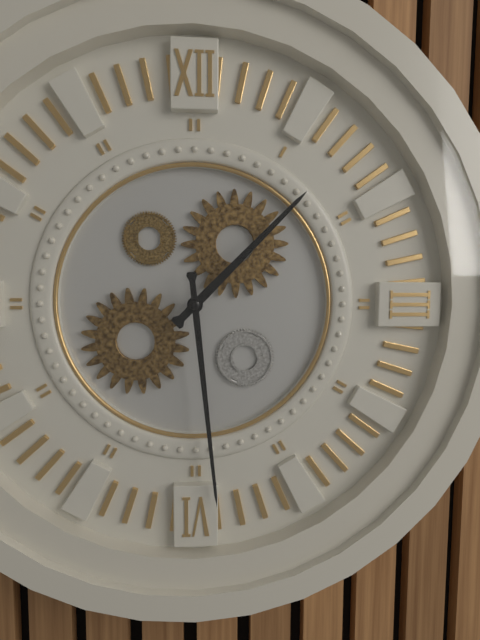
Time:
**1:29**
